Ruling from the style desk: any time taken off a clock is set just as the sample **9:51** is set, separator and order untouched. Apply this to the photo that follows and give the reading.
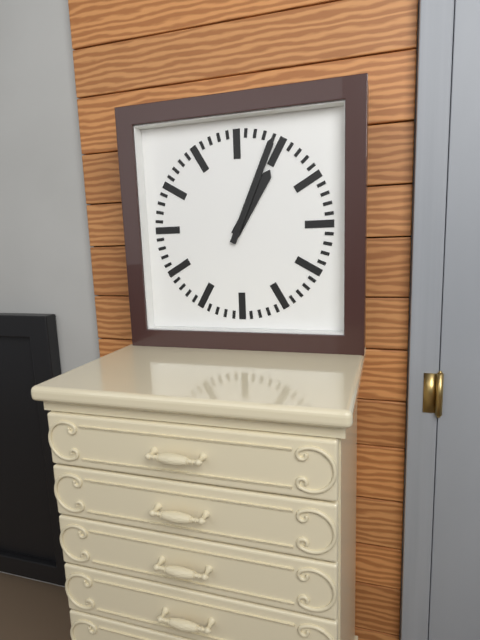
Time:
**1:04**
